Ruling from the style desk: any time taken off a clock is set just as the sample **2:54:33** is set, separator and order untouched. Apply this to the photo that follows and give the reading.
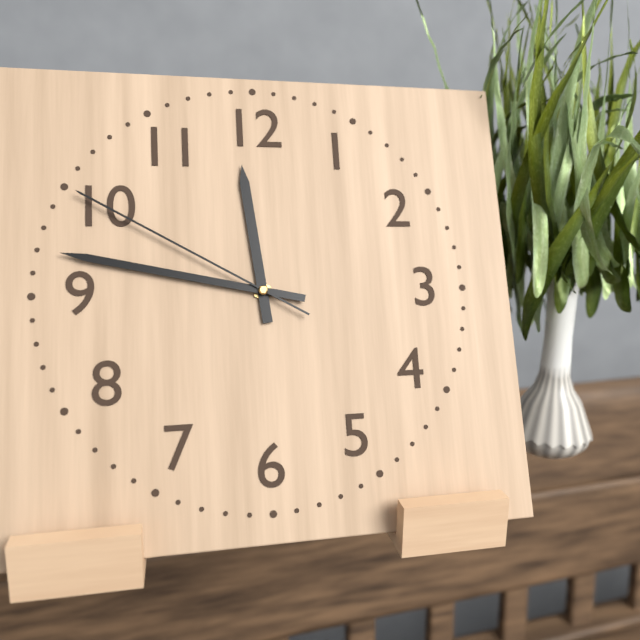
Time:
**11:47:50**
